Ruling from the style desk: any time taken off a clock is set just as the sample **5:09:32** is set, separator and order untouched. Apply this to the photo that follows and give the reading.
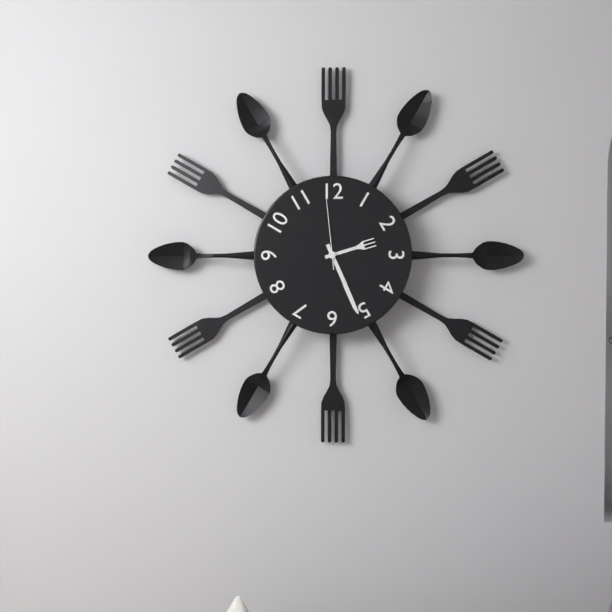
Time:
**2:26:59**
